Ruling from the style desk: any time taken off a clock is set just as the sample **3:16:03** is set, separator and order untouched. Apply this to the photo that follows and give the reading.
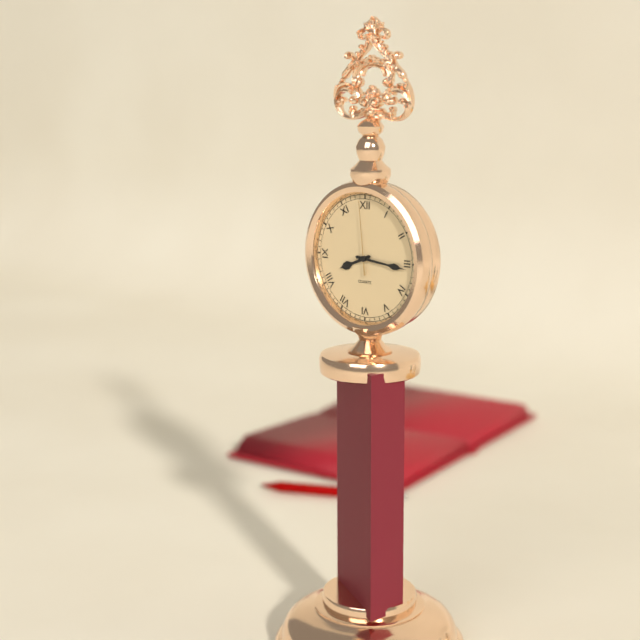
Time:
**8:16:59**
